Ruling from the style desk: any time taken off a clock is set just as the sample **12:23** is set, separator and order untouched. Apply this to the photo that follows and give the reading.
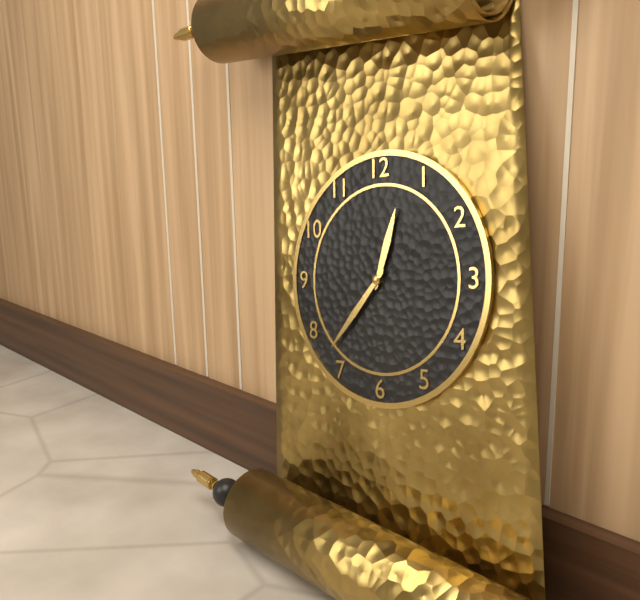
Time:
**12:37**
